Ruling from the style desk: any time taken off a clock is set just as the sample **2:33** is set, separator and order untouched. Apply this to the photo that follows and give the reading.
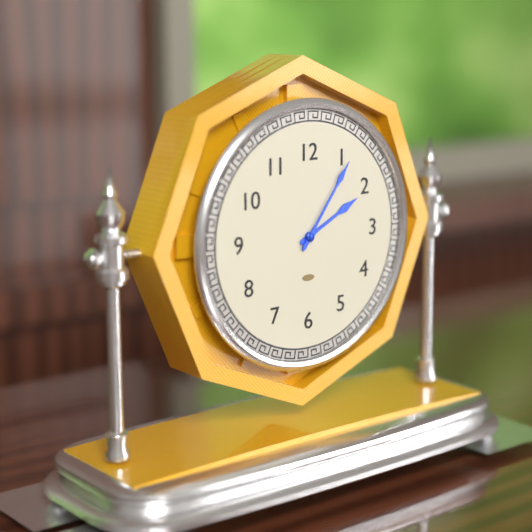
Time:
**2:06**
